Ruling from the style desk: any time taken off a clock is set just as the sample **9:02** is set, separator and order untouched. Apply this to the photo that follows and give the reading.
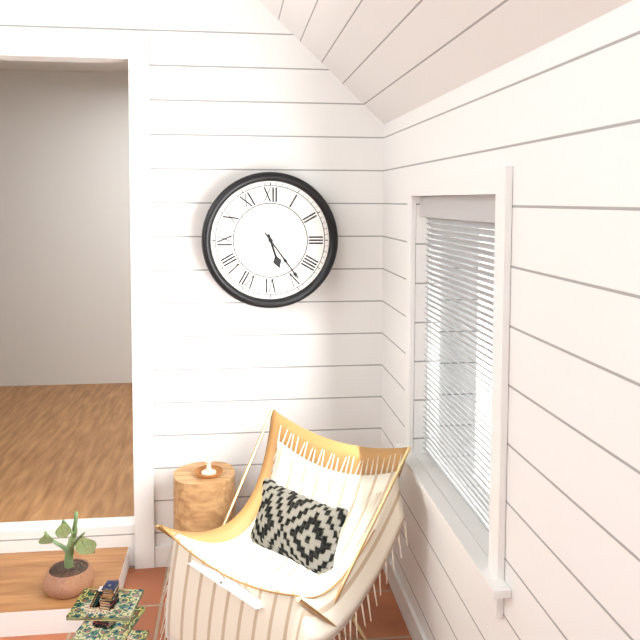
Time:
**5:24**
